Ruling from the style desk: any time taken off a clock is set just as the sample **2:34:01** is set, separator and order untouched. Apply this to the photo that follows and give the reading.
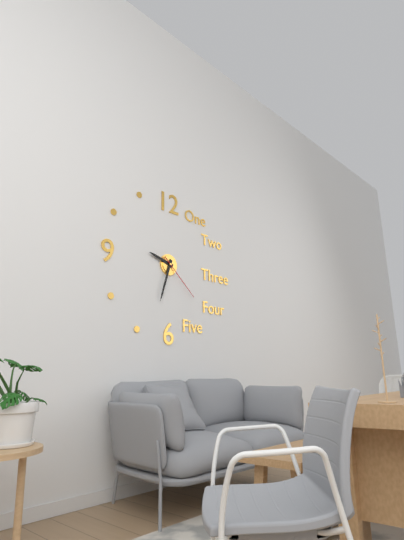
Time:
**9:33:22**
